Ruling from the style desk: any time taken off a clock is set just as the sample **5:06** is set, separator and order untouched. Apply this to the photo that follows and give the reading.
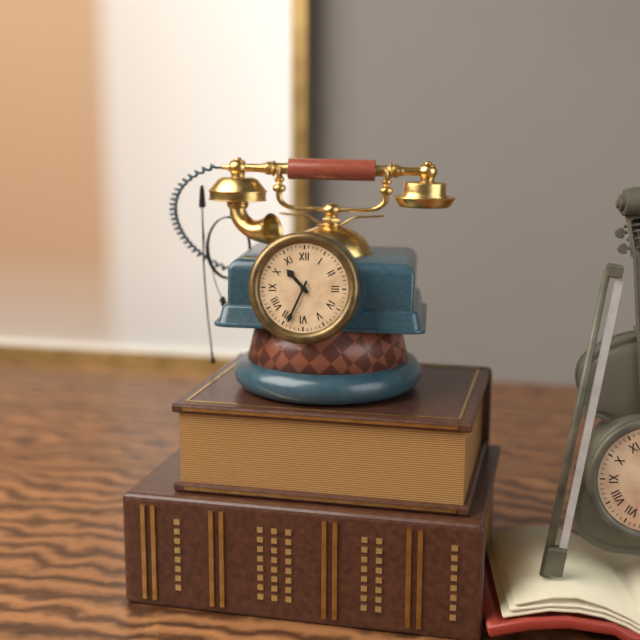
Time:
**10:34**
